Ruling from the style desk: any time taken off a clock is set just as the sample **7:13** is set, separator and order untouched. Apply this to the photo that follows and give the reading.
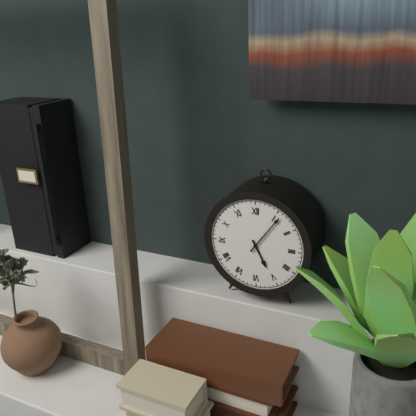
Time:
**5:06**
